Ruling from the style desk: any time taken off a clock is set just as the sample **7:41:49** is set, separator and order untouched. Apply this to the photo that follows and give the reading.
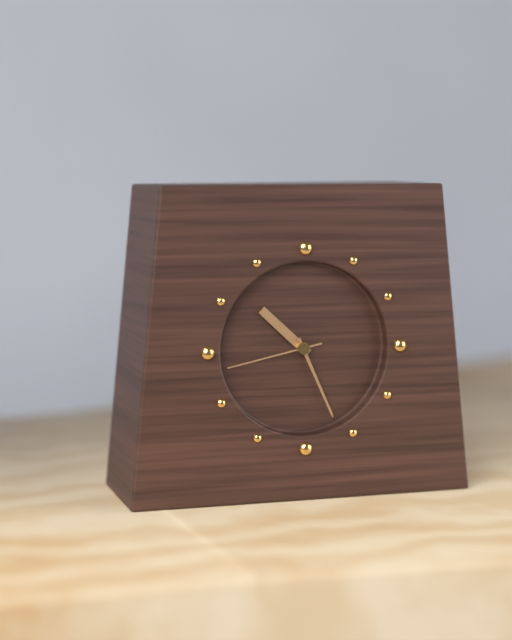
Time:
**10:26:43**
